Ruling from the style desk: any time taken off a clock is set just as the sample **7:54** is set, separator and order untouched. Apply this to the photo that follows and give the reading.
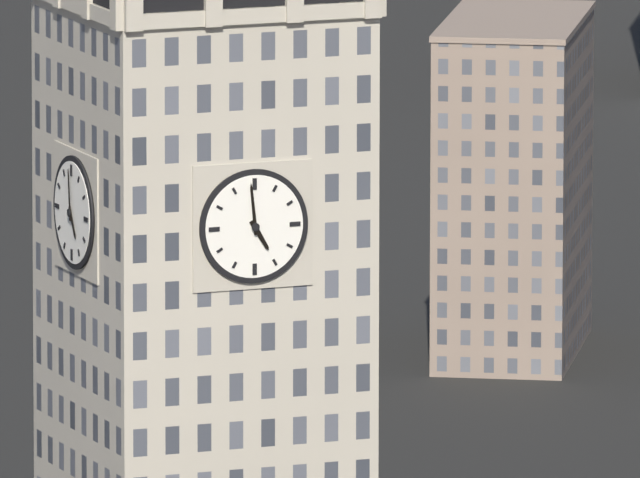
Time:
**4:59**
